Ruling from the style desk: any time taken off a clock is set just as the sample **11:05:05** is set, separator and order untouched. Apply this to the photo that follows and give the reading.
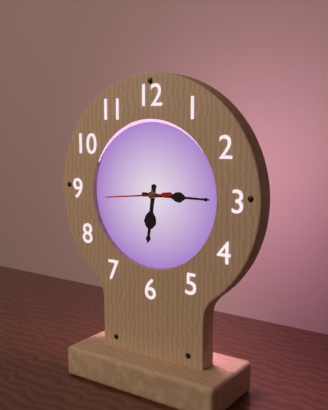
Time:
**6:15:44**
